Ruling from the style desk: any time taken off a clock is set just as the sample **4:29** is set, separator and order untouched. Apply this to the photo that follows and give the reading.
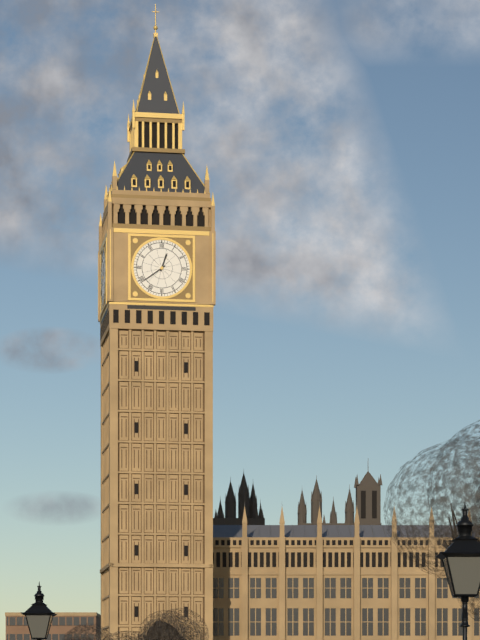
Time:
**12:39**
